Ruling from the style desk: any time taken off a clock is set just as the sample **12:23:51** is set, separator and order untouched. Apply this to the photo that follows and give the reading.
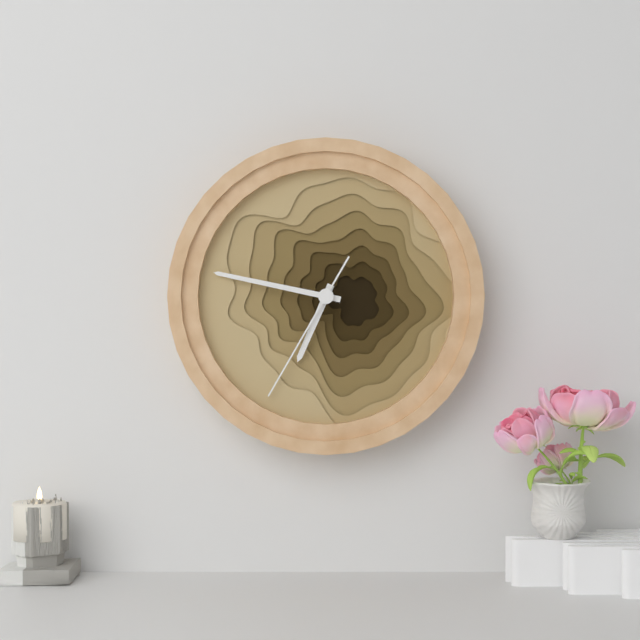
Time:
**6:47:35**
